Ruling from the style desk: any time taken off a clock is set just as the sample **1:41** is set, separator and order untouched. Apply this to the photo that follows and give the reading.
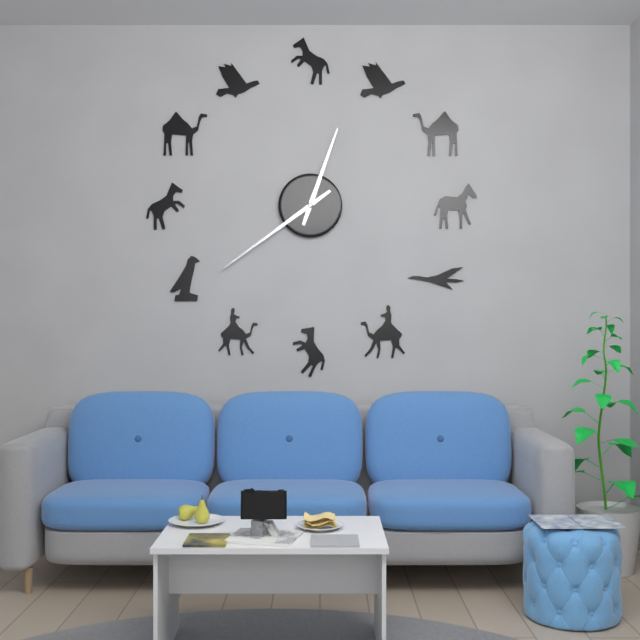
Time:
**12:39**
